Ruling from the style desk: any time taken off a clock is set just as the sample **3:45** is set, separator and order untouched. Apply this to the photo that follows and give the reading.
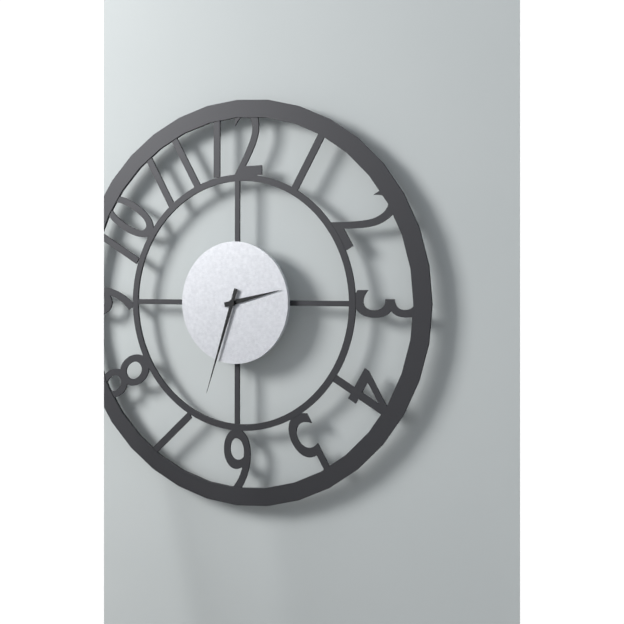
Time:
**2:33**
